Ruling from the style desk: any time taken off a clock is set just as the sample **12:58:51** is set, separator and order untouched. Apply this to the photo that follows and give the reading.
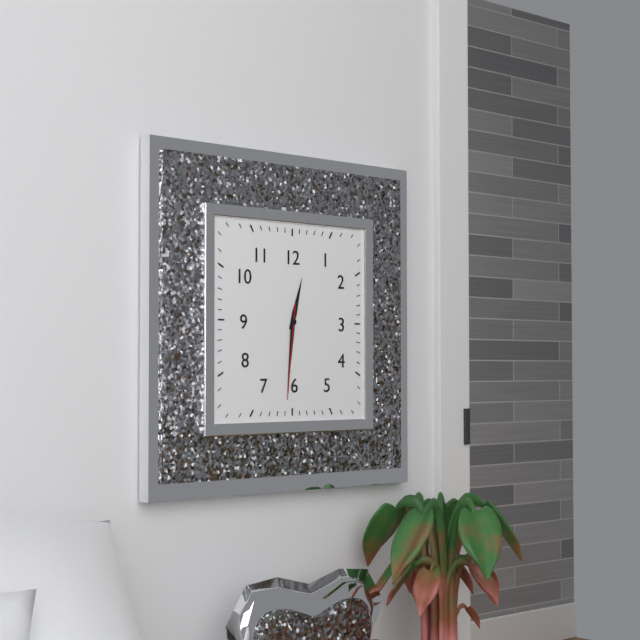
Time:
**12:31:31**
